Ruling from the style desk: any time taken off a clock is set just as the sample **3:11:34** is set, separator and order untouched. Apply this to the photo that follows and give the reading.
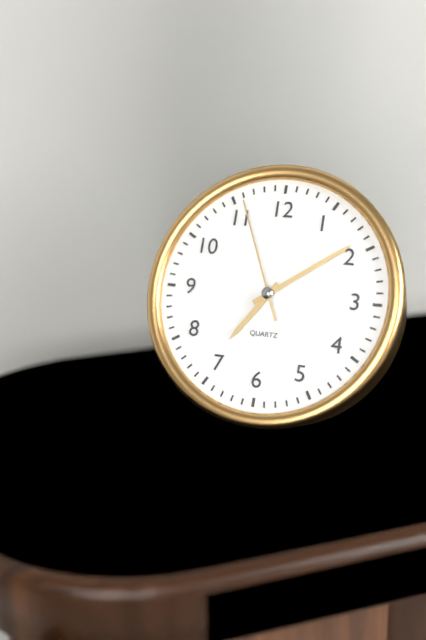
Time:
**7:09:56**
